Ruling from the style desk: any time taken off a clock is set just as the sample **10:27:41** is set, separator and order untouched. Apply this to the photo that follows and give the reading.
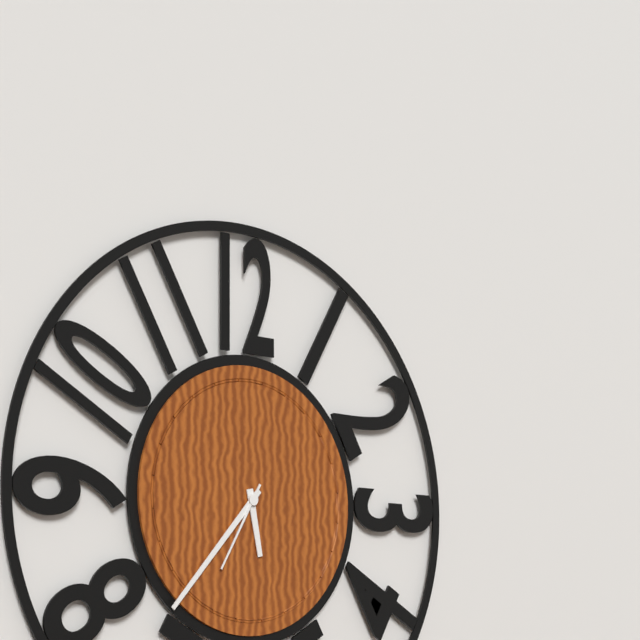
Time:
**5:37:35**
